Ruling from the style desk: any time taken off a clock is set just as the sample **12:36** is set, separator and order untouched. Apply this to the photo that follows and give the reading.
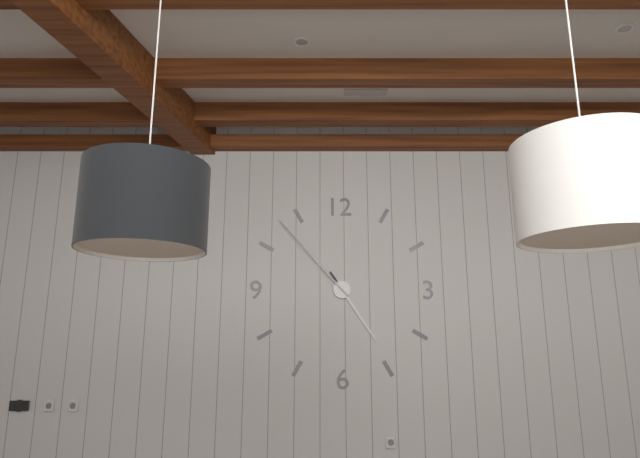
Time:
**4:53**
